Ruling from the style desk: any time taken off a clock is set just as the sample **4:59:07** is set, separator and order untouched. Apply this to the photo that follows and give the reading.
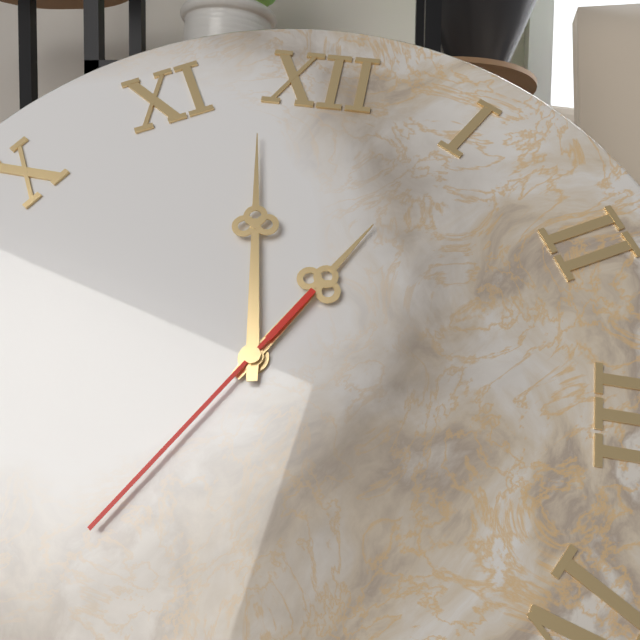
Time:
**12:58:35**
